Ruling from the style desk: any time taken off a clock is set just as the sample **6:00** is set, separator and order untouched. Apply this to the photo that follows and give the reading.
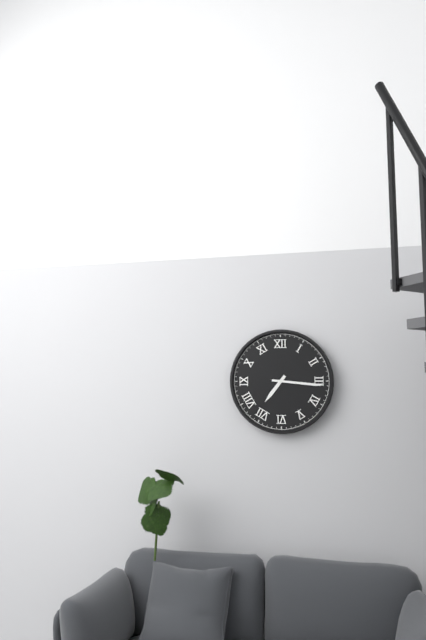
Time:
**7:16**
